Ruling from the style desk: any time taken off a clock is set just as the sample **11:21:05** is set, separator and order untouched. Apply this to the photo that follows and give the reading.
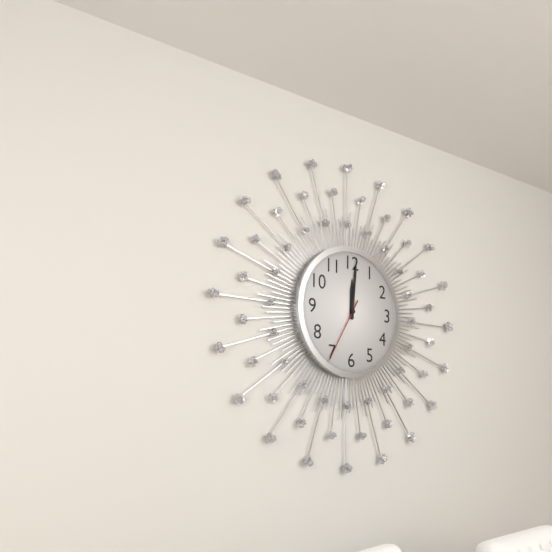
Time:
**12:01:35**
